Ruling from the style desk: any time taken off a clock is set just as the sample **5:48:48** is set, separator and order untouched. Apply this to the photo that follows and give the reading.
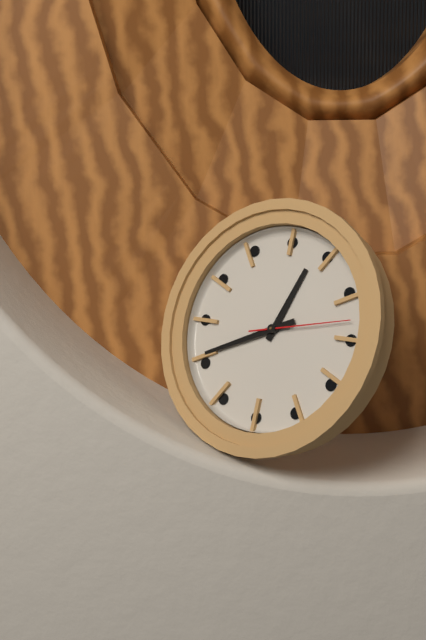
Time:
**12:41:13**
